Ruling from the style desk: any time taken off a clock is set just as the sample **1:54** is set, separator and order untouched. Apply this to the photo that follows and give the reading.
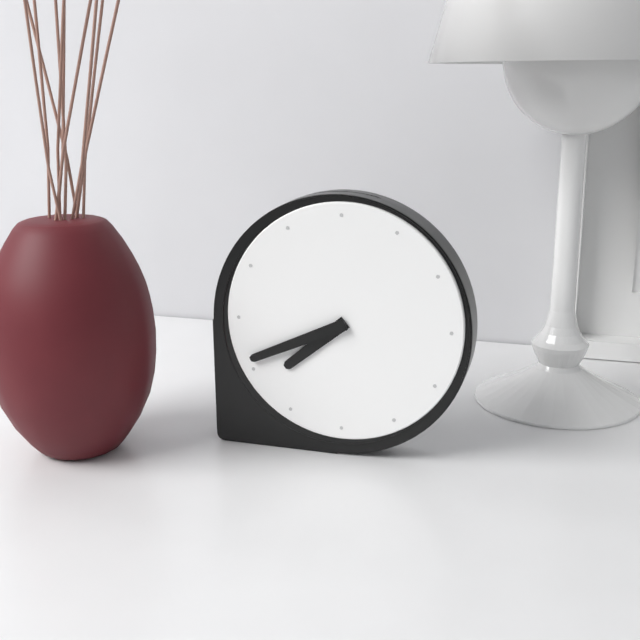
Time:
**7:41**
